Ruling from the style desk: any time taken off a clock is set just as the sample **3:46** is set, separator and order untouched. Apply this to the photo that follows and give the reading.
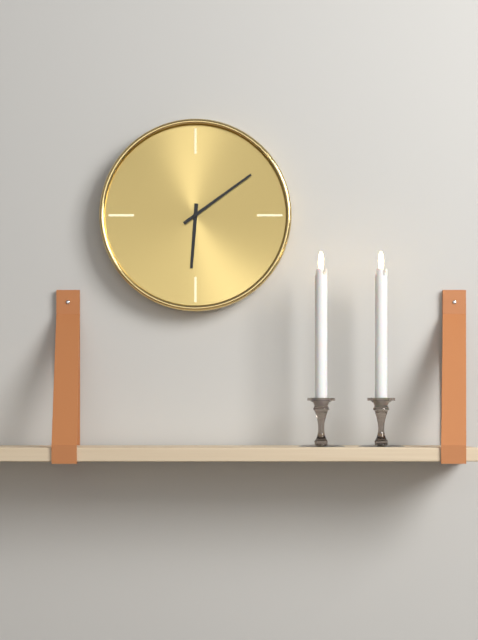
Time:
**6:09**
